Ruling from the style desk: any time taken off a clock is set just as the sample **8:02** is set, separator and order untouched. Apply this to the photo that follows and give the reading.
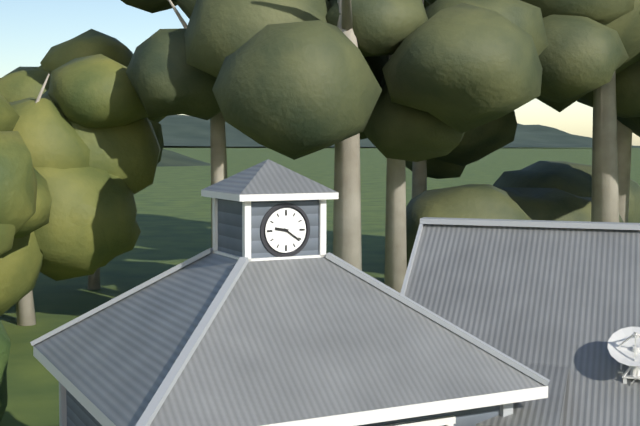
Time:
**9:21**
